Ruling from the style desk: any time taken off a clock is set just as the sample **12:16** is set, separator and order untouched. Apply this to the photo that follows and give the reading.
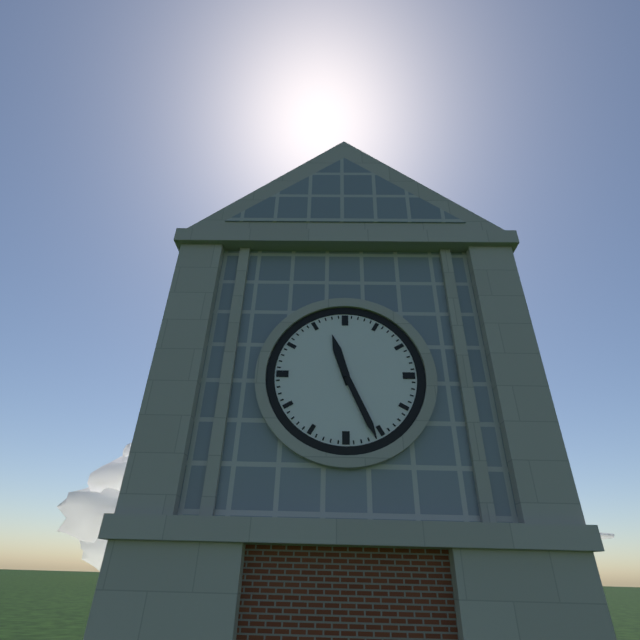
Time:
**11:26**
